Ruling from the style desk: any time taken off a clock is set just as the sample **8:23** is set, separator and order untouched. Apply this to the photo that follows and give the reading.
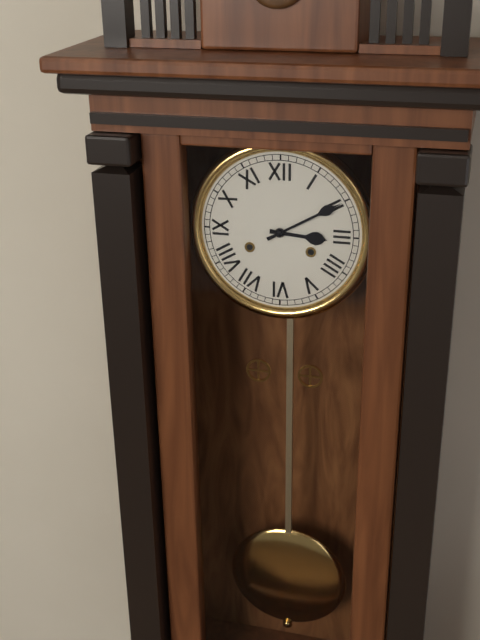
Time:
**3:10**
